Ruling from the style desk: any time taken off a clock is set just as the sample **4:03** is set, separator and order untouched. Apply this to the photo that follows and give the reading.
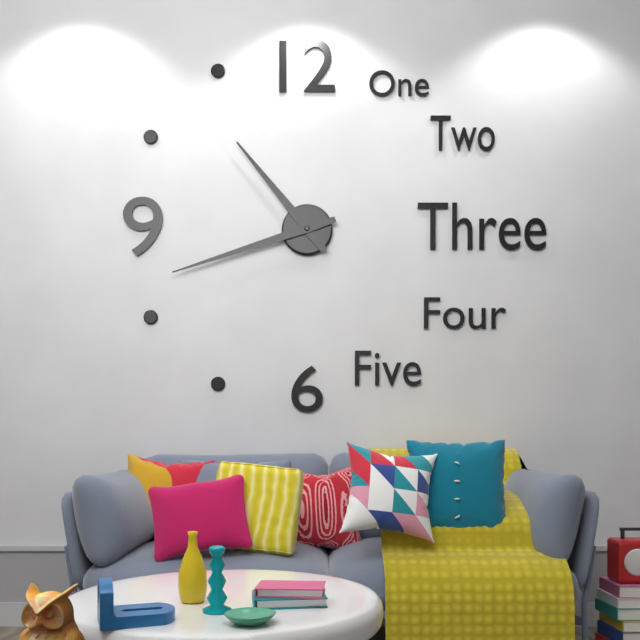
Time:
**10:42**
